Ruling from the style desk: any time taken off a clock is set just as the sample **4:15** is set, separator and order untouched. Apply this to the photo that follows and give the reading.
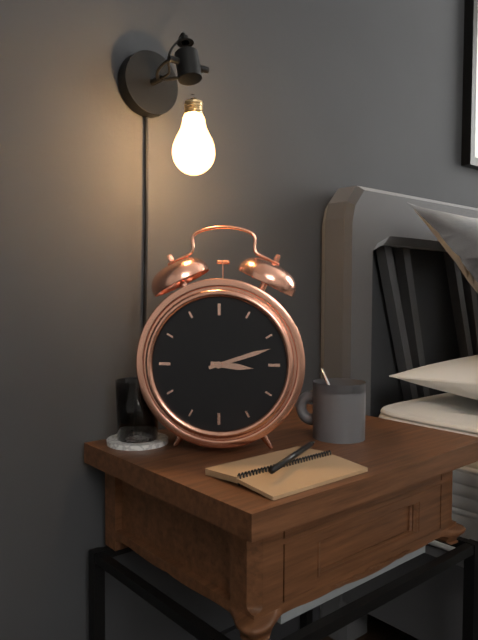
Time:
**3:12**
